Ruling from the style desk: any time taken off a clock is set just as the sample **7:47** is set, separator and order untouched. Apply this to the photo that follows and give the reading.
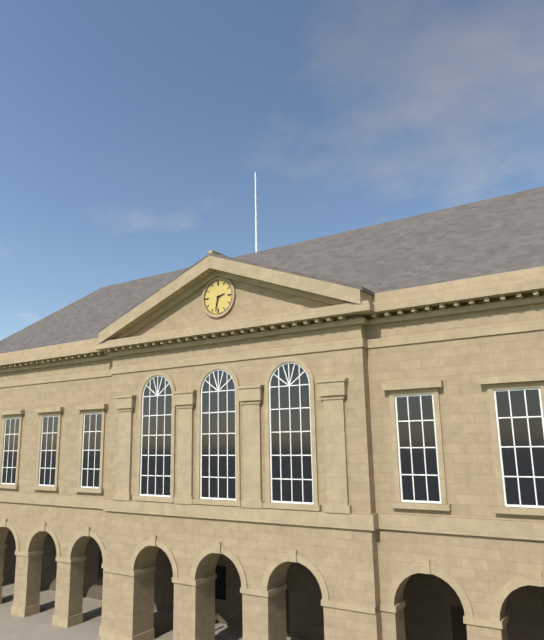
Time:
**2:32**
